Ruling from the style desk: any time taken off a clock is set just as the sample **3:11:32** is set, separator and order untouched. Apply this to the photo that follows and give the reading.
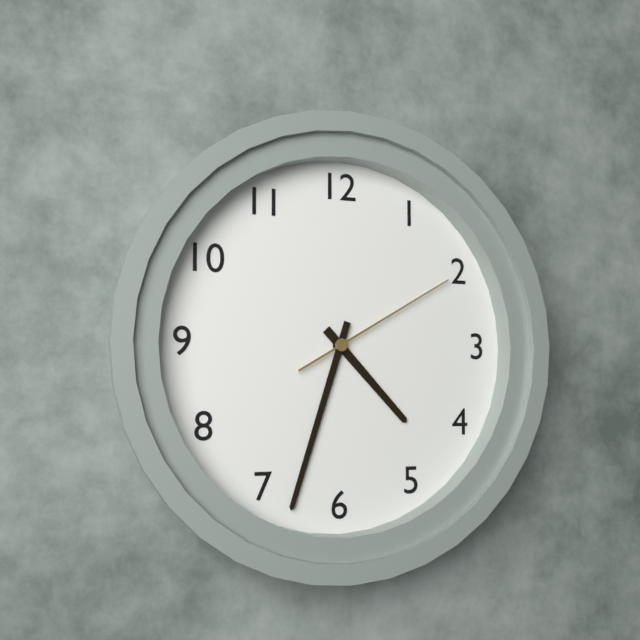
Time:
**4:33:10**
